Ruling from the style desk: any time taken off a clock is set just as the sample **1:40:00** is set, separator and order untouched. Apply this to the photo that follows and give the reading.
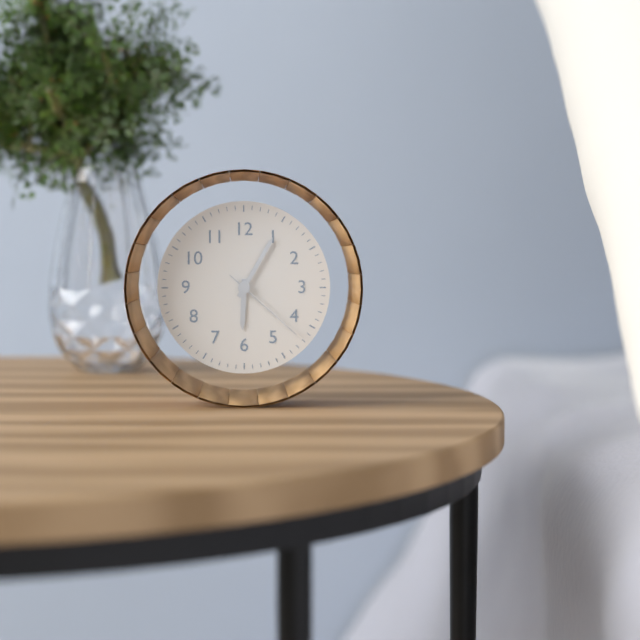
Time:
**6:05:22**
